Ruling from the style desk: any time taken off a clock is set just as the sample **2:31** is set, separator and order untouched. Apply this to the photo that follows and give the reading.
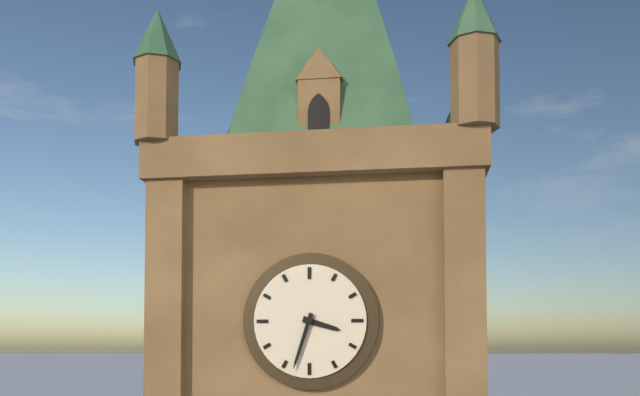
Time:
**3:33**
